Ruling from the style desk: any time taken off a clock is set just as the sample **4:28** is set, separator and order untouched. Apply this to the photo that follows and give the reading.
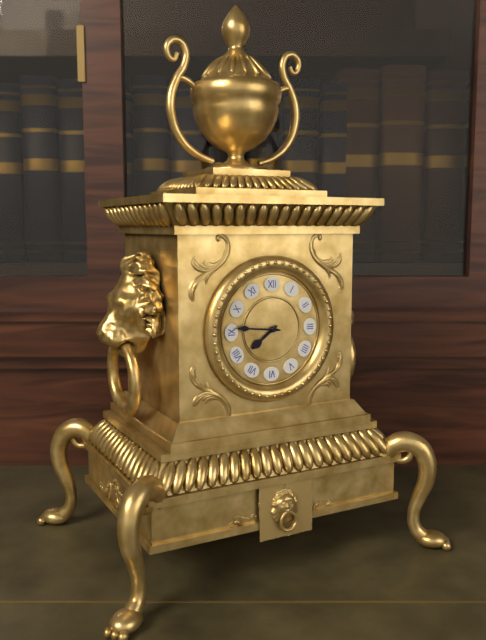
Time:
**7:46**
